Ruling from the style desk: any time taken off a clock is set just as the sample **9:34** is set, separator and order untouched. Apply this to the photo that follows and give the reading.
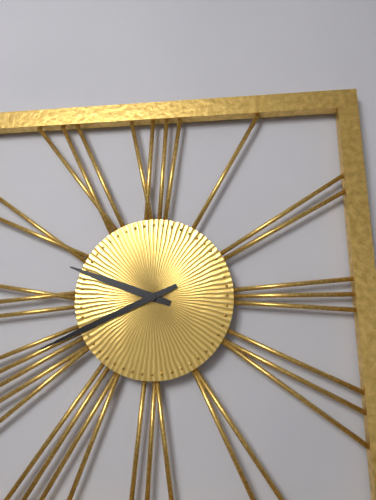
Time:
**9:41**
